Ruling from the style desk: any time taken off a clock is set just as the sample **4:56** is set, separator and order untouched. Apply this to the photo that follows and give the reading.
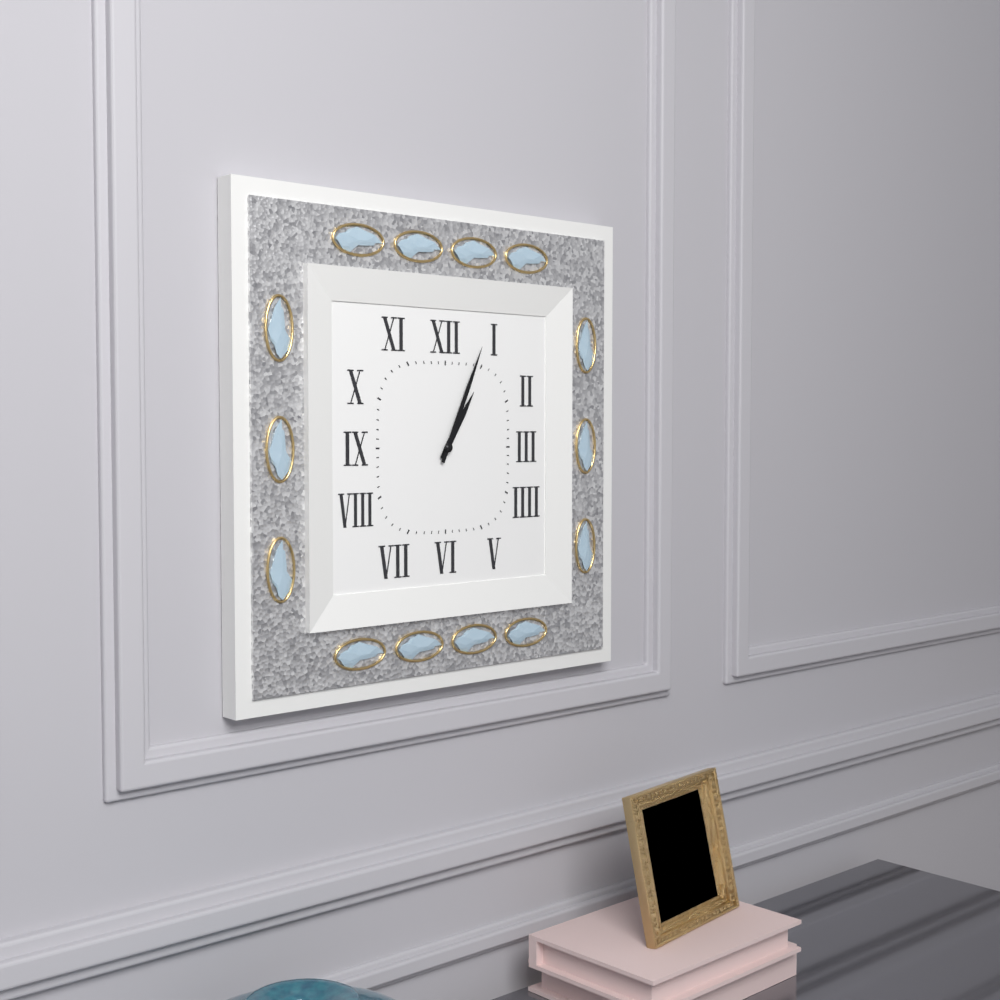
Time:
**1:04**
